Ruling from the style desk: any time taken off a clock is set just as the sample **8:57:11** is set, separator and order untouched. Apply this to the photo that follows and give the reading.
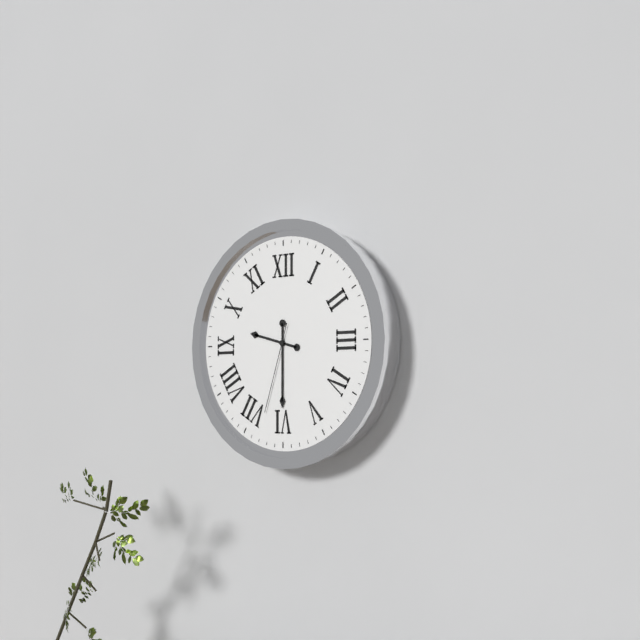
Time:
**9:30:33**
